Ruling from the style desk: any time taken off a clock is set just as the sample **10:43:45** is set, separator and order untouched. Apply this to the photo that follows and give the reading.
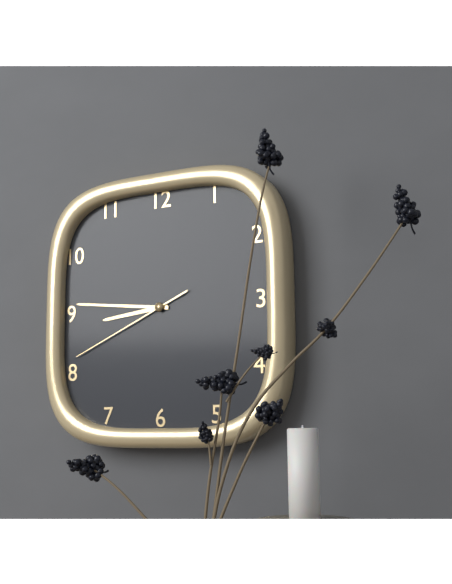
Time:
**8:46:41**
